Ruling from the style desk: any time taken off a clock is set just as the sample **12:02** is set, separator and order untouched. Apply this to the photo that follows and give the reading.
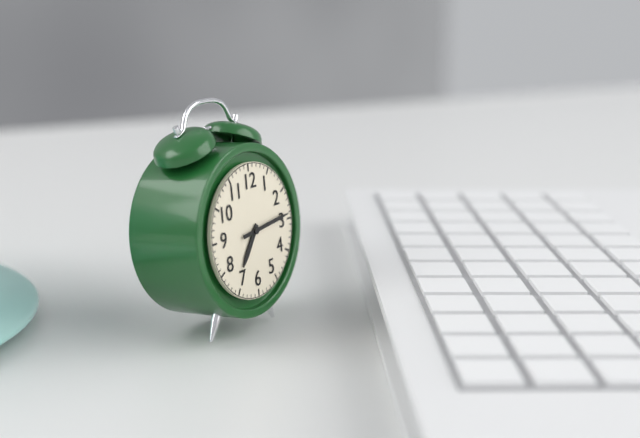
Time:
**7:14**
